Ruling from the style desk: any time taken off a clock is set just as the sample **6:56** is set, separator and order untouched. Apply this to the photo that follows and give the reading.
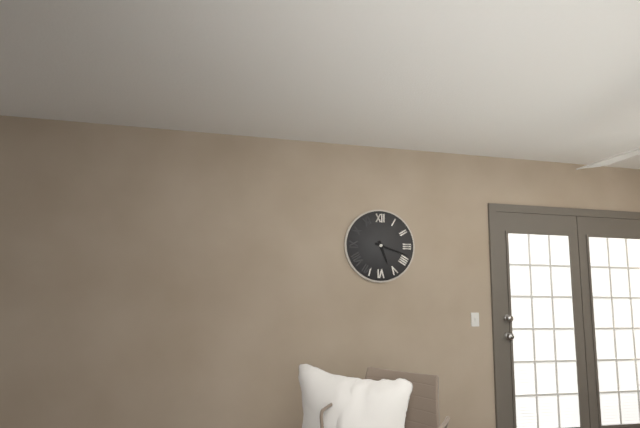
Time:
**5:18**
